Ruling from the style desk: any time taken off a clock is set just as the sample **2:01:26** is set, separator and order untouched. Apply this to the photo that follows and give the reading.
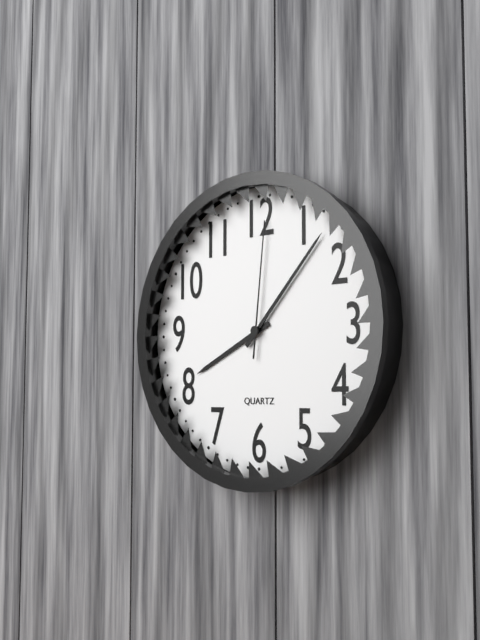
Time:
**8:07:01**
